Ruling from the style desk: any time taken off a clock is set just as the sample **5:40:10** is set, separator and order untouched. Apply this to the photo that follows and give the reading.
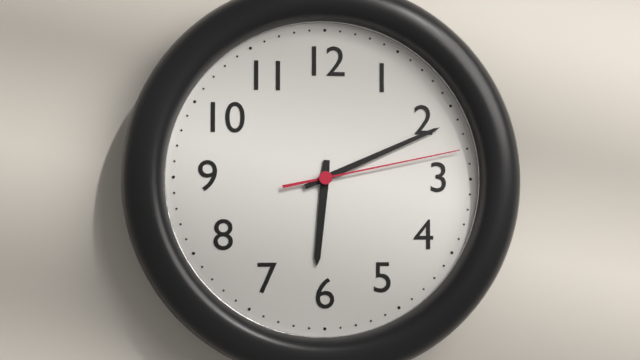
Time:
**6:11:13**
